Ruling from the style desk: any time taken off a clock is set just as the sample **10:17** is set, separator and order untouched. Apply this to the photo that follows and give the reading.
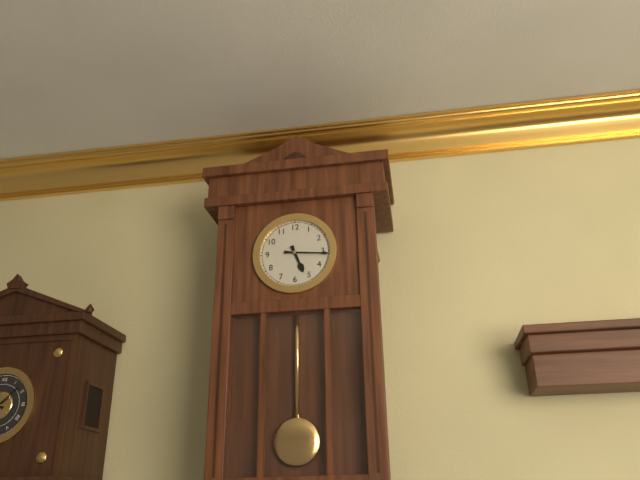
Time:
**5:16**
